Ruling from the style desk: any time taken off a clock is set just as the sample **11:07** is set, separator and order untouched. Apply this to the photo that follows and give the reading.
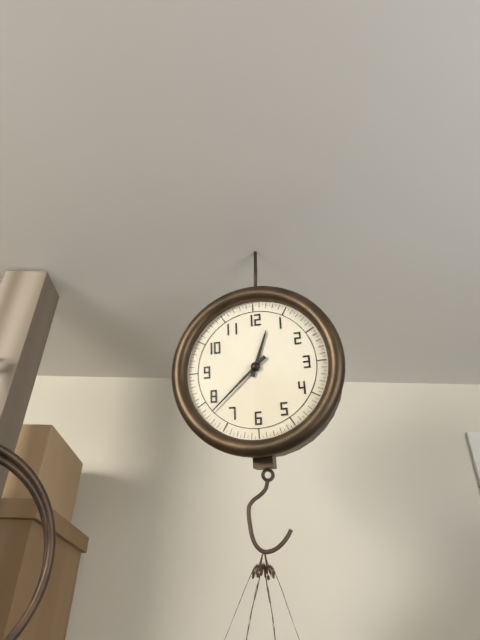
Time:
**12:38**
